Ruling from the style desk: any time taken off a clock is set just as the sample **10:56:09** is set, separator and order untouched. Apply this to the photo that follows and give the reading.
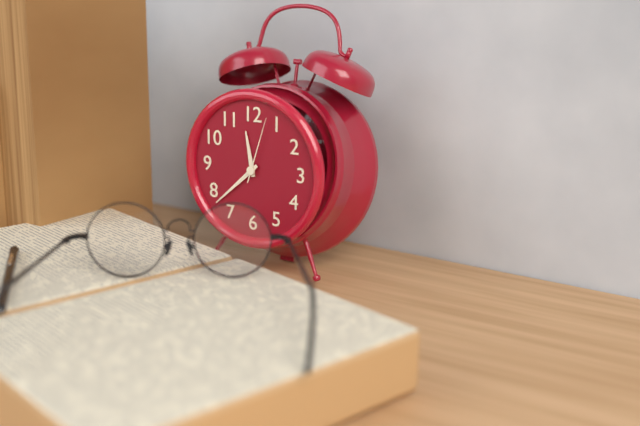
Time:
**11:38:03**
